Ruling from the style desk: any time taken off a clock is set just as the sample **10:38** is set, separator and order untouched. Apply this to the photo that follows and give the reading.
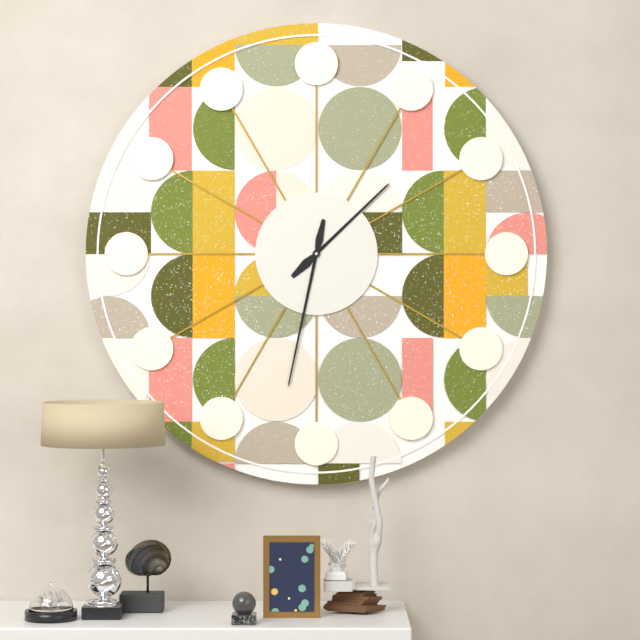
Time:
**1:32**
